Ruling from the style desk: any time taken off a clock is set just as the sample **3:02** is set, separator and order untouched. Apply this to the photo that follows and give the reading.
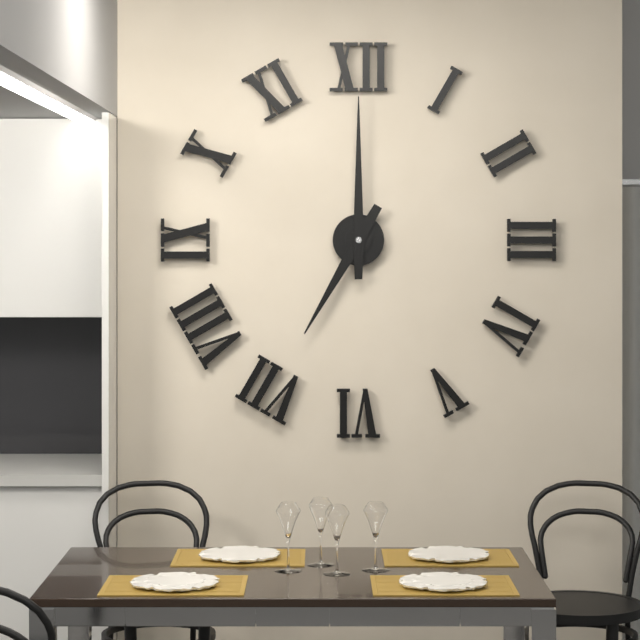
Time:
**7:00**
